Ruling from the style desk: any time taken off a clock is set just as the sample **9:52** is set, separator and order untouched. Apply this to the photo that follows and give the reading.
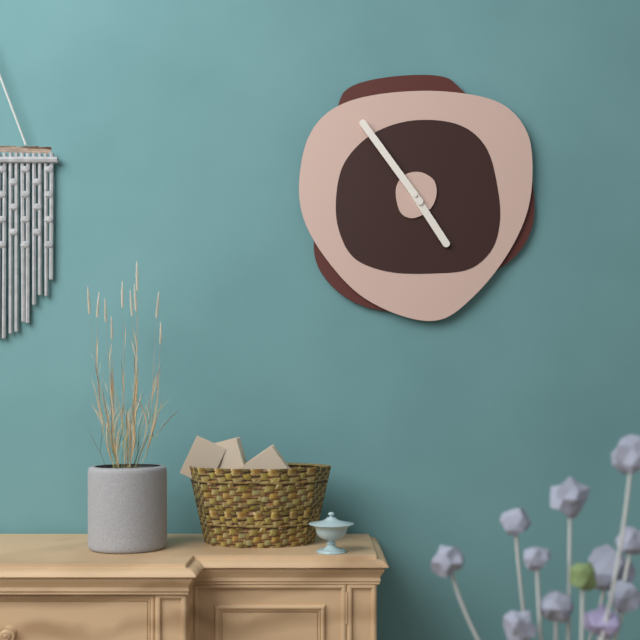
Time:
**4:54**
